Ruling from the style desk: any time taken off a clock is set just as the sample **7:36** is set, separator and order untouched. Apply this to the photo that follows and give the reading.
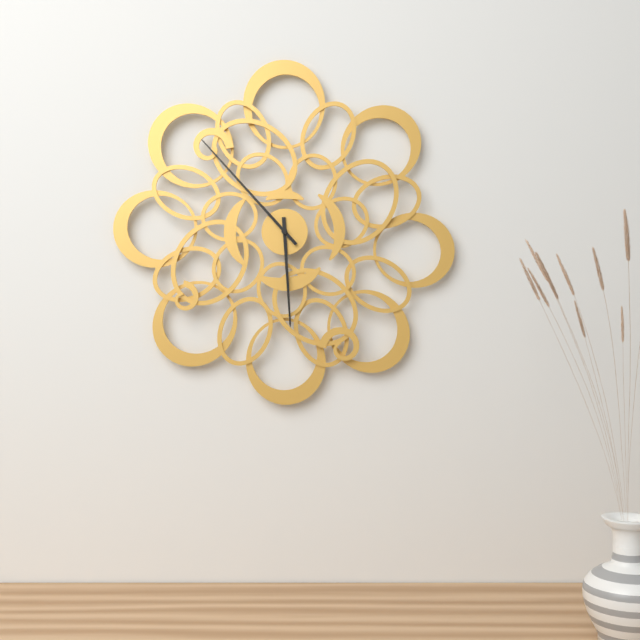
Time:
**5:53**
